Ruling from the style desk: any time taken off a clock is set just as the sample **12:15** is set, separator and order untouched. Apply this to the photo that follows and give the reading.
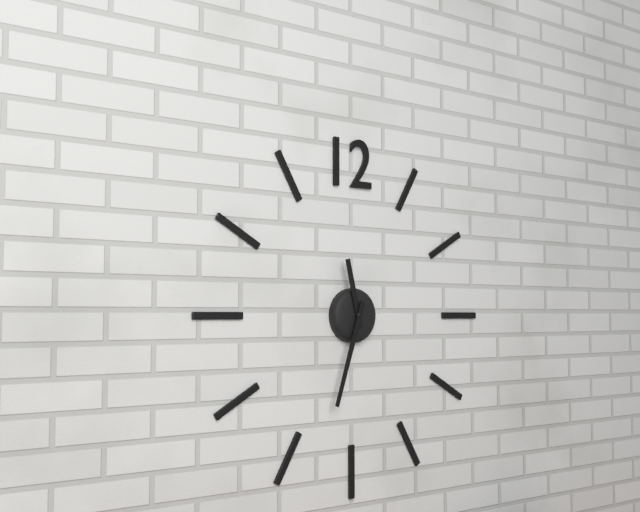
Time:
**11:33**
